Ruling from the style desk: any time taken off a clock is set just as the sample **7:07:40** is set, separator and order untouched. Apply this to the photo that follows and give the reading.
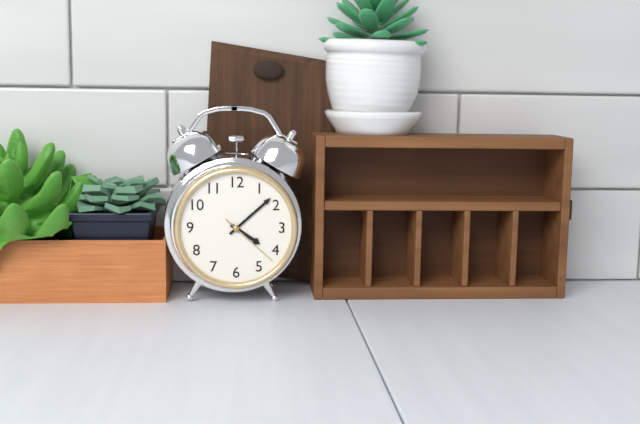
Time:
**4:08:22**
